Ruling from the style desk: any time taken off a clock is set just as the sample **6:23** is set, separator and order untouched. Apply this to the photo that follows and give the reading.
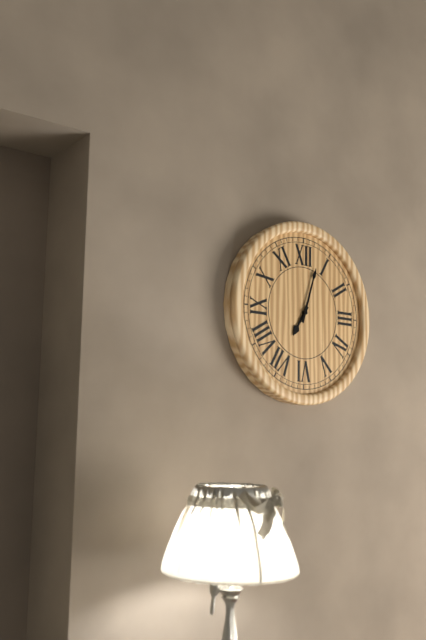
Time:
**7:03**
